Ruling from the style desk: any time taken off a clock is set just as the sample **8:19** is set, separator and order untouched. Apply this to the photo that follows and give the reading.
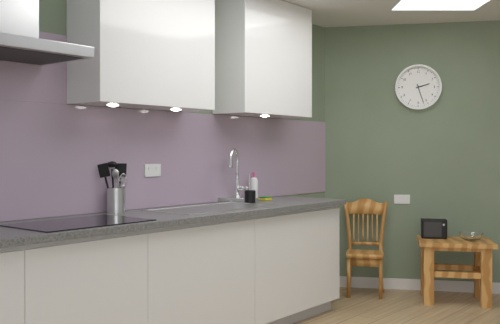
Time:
**2:27**
